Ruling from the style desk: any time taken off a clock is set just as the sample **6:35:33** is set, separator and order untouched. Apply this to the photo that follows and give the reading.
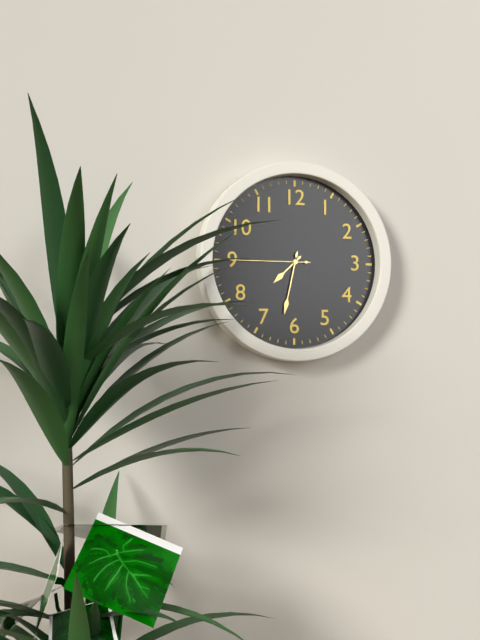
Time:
**7:32:45**
